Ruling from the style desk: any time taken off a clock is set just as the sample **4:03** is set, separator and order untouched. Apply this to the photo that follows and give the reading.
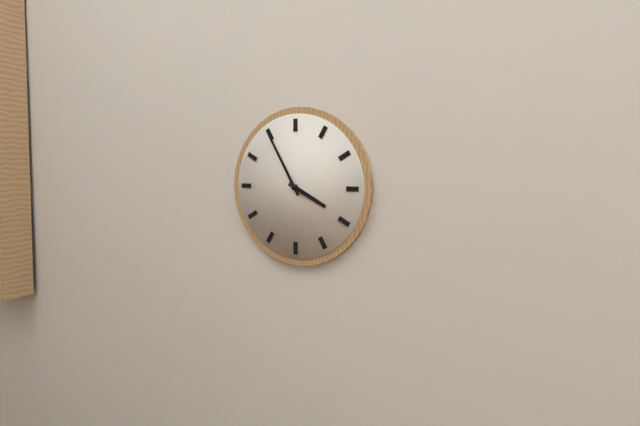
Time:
**3:55**
